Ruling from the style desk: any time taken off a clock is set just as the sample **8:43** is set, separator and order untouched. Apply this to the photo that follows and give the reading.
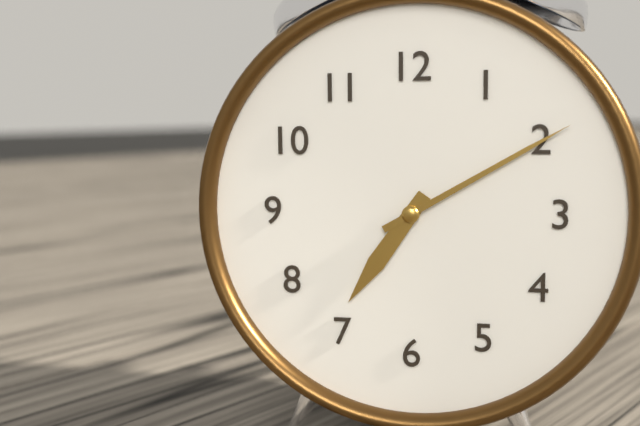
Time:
**7:10**
